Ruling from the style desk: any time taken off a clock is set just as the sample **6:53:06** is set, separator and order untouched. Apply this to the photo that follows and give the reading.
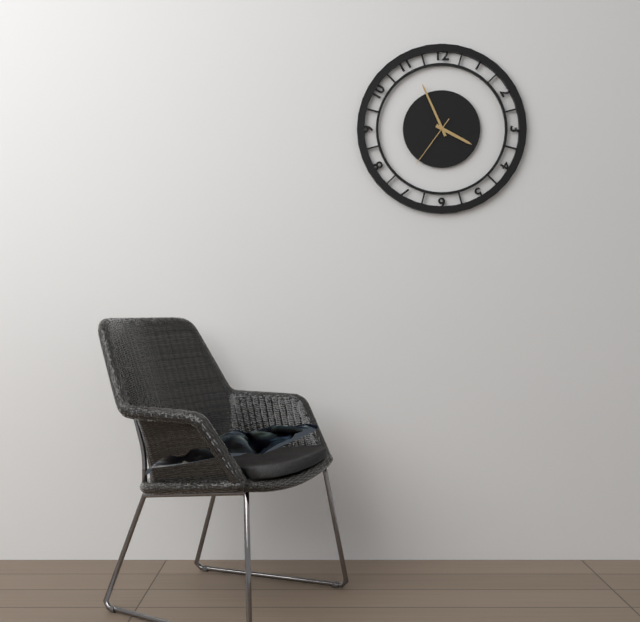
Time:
**3:56:36**
